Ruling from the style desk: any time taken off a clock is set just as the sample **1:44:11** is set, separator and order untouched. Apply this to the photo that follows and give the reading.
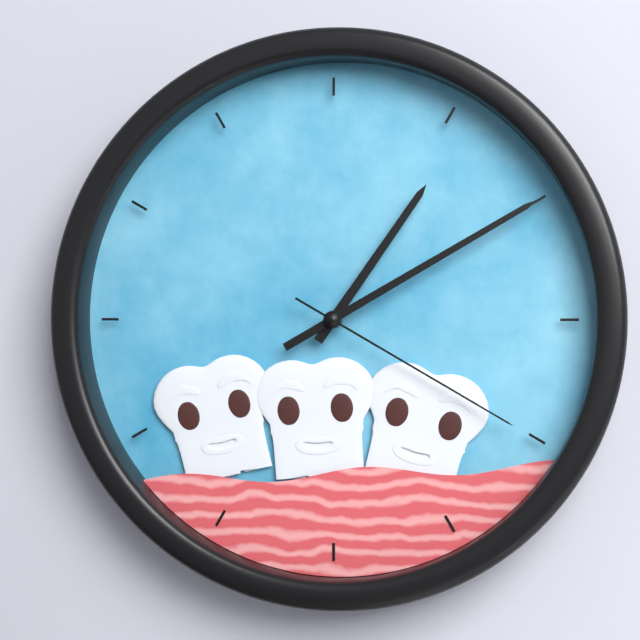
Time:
**1:10:20**
